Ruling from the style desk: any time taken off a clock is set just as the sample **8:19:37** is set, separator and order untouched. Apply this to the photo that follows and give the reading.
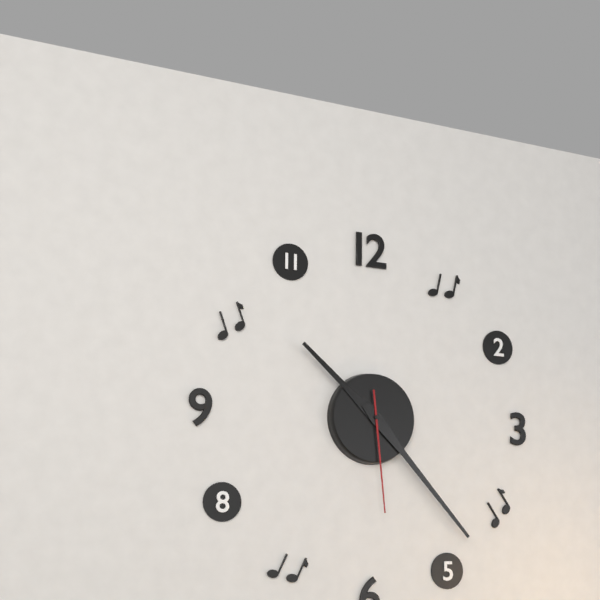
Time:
**10:23:29**
